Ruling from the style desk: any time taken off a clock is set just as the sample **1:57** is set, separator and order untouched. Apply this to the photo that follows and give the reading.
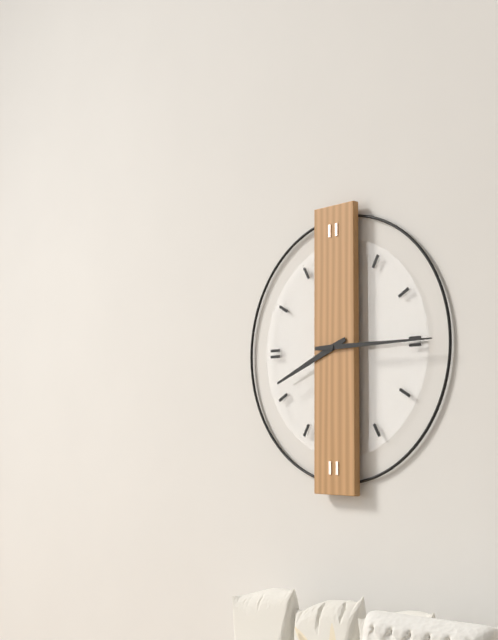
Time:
**8:15**
